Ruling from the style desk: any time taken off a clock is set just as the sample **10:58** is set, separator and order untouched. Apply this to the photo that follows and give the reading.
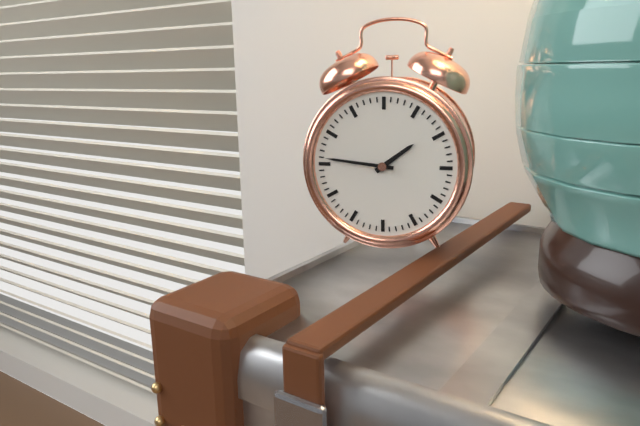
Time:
**1:46**
